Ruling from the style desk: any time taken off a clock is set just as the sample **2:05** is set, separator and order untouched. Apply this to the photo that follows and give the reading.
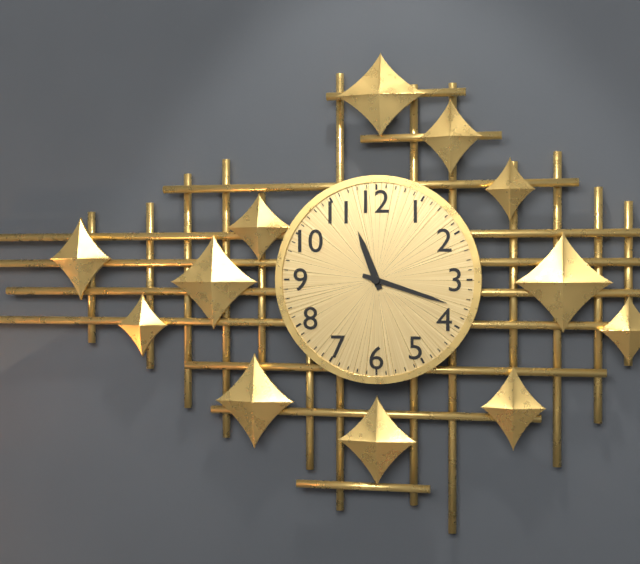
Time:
**11:18**
